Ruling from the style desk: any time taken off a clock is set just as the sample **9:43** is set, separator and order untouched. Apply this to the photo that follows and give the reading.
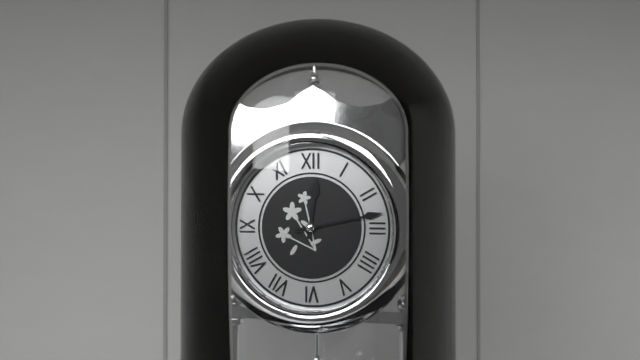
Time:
**12:13**
